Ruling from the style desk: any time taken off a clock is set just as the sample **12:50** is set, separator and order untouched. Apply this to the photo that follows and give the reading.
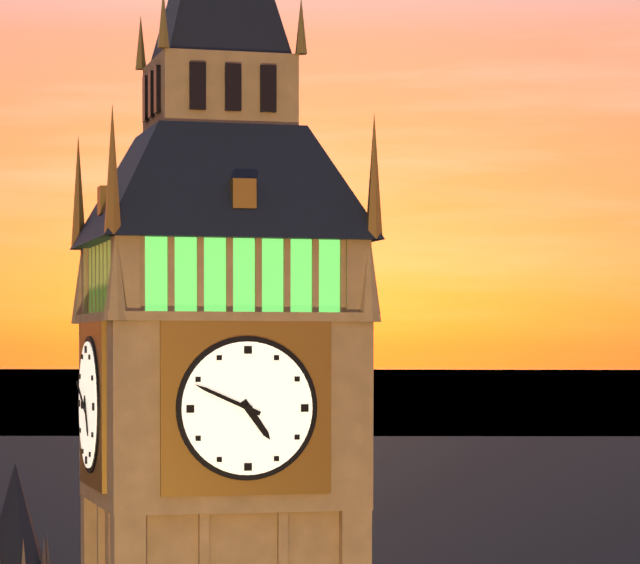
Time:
**4:49**
